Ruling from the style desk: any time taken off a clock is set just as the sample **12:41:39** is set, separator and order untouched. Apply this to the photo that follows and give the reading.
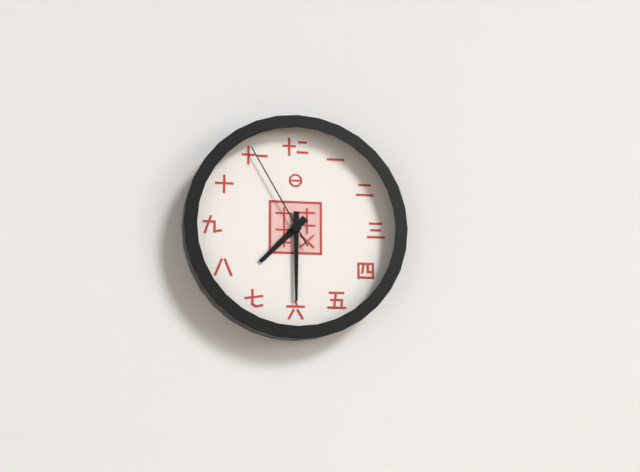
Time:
**7:30:55**
